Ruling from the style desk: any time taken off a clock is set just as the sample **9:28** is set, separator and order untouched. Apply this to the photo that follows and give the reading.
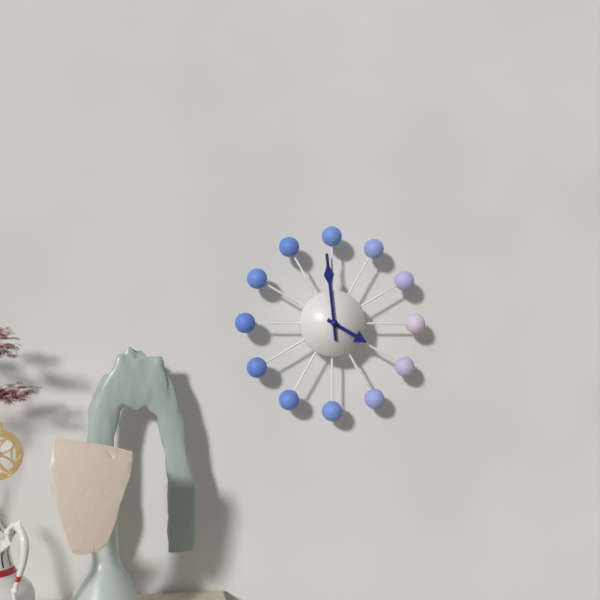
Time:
**3:59**
